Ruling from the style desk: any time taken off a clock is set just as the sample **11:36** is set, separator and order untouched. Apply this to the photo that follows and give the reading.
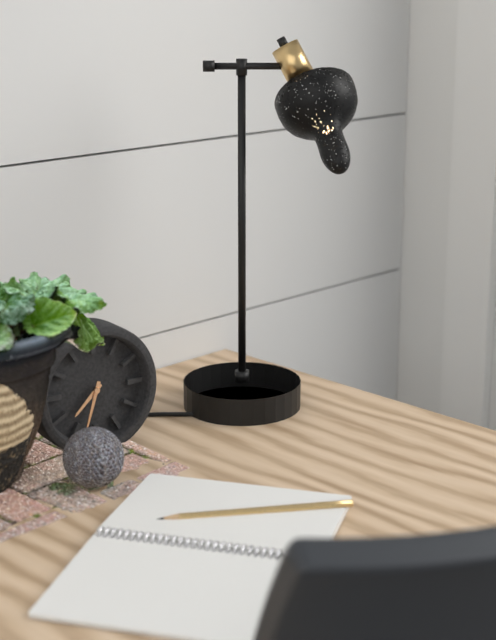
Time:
**7:33**
